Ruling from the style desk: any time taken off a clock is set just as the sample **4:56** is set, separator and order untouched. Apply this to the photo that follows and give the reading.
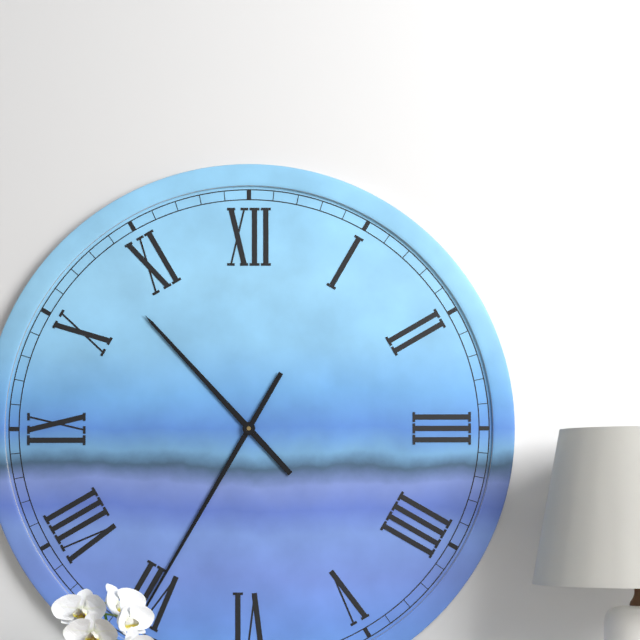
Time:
**10:35**
